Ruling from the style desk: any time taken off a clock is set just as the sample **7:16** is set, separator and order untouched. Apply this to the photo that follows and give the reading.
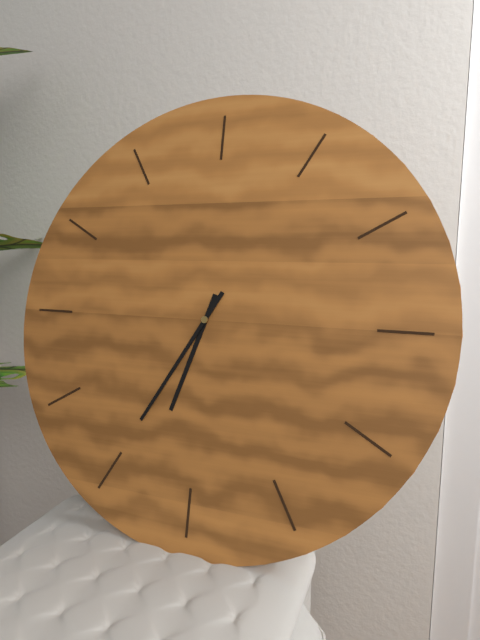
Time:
**6:35**
